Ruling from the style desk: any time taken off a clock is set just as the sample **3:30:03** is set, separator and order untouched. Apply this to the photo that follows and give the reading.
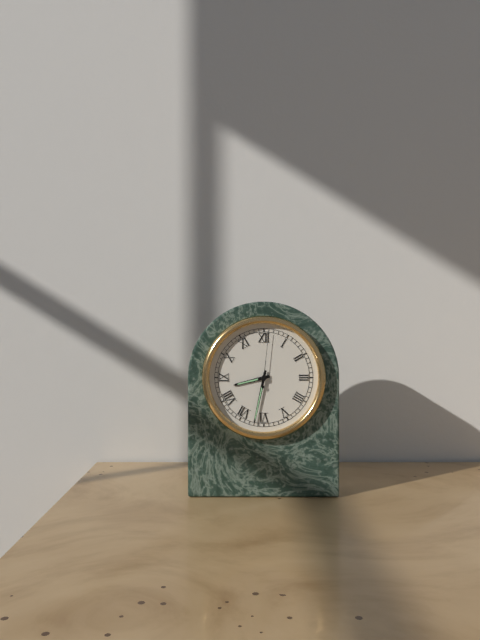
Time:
**8:32:01**
